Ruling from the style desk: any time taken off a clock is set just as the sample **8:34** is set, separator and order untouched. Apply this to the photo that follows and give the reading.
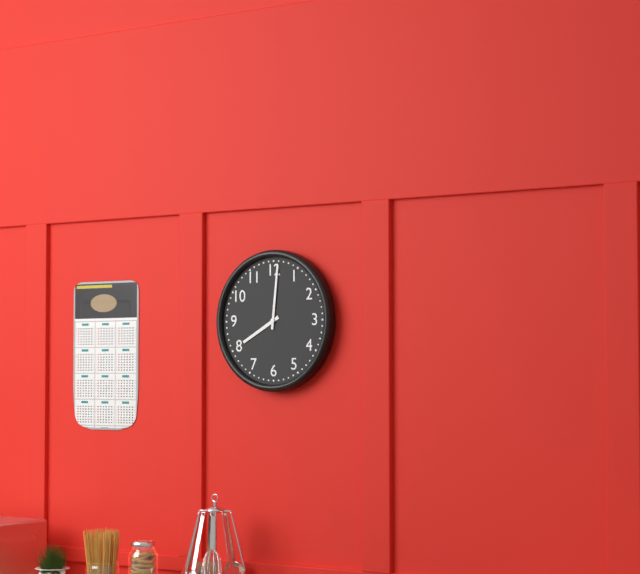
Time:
**8:01**
